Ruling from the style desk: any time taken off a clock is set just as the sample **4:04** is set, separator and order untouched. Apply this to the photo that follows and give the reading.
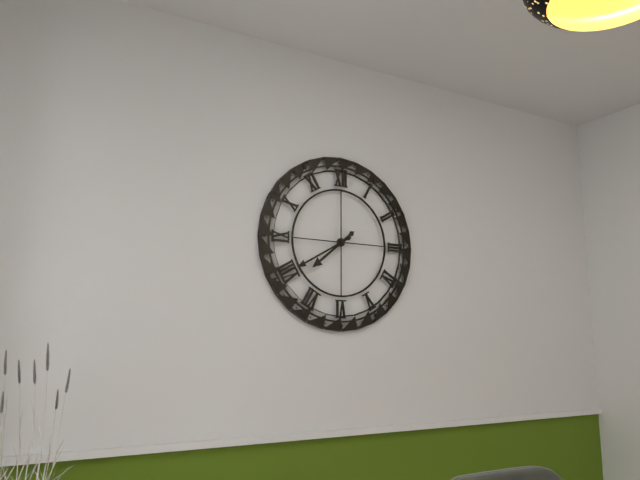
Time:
**7:40**
